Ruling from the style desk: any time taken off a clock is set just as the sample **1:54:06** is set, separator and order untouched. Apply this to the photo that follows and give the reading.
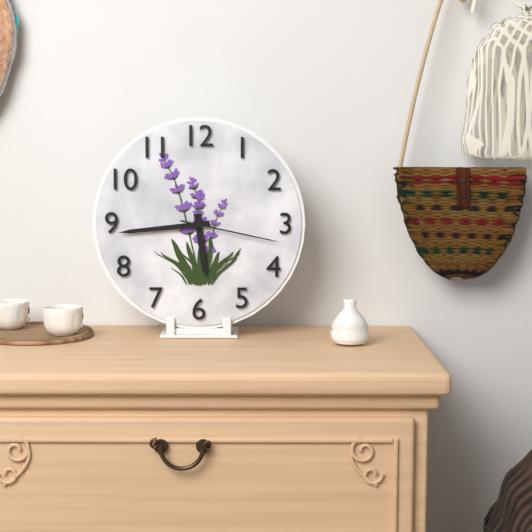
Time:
**5:44:17**
